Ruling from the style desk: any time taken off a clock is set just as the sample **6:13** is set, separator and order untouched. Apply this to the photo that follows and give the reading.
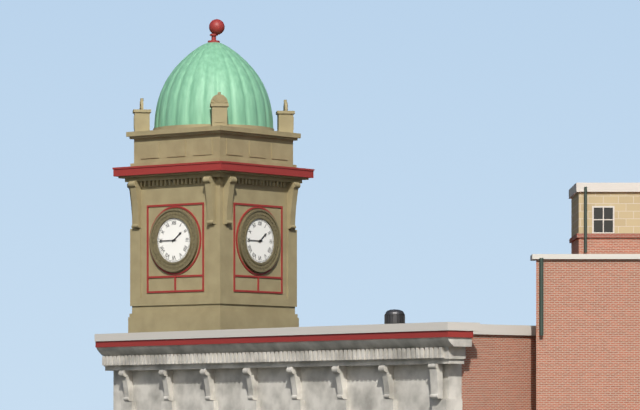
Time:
**1:45**
